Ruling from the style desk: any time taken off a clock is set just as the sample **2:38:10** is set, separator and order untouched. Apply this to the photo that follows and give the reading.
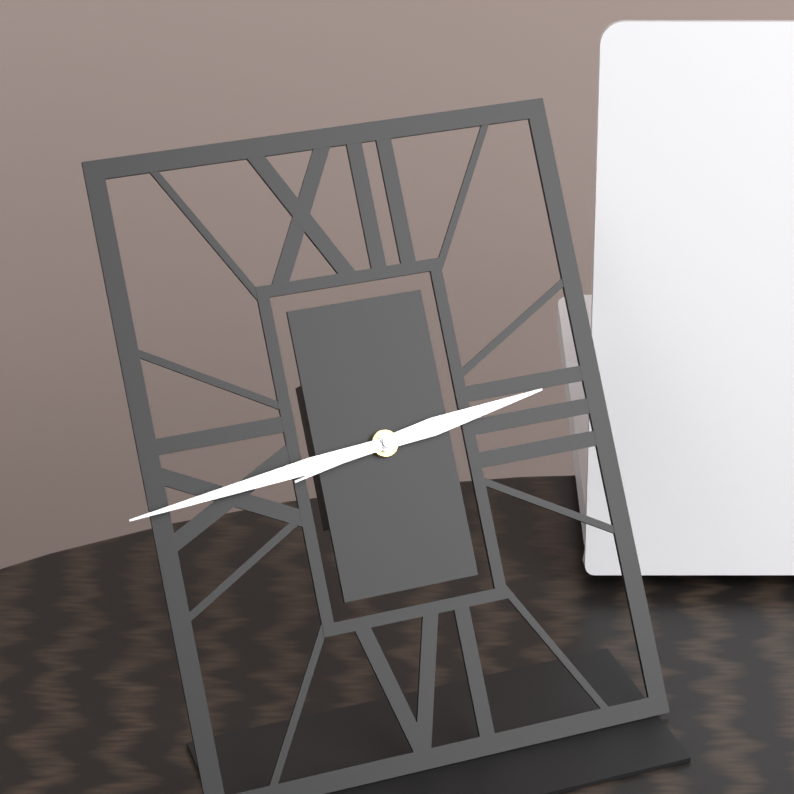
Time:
**2:44:43**
